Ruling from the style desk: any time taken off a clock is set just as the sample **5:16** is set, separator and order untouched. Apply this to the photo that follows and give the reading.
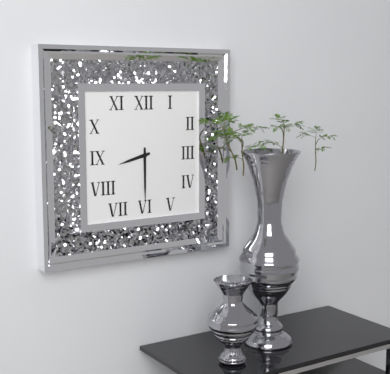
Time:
**8:30**
